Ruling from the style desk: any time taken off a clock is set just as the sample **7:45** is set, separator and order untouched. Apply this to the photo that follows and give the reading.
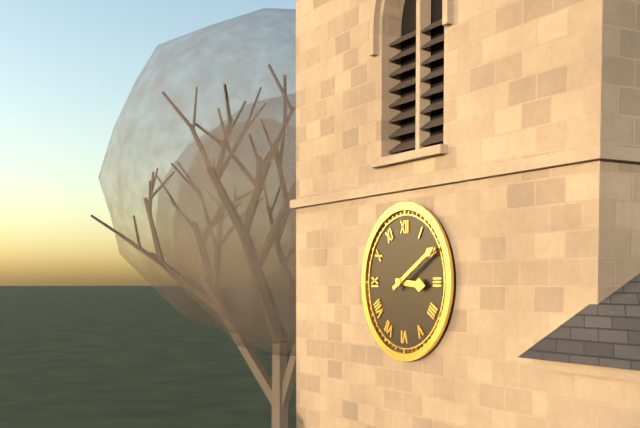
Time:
**3:10**
